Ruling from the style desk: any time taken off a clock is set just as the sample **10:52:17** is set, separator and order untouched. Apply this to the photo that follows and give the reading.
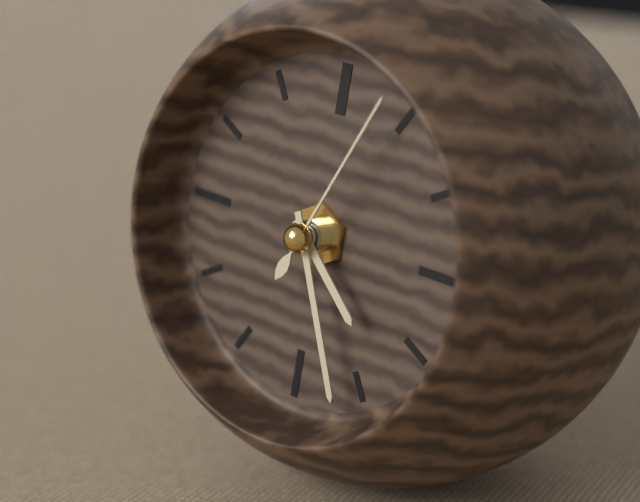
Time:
**4:26:04**
